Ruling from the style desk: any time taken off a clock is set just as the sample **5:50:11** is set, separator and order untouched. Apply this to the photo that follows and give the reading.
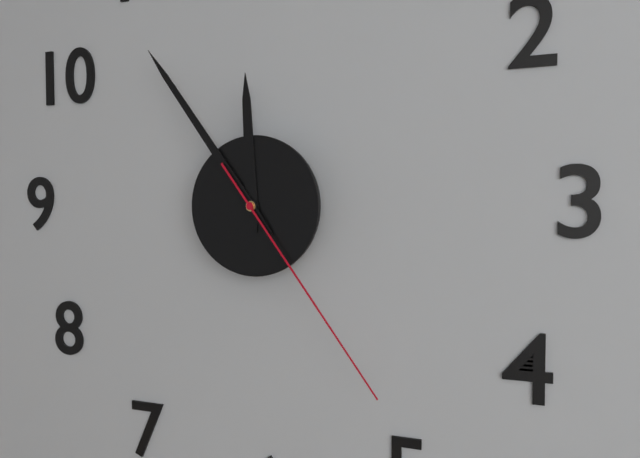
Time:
**11:54:24**
